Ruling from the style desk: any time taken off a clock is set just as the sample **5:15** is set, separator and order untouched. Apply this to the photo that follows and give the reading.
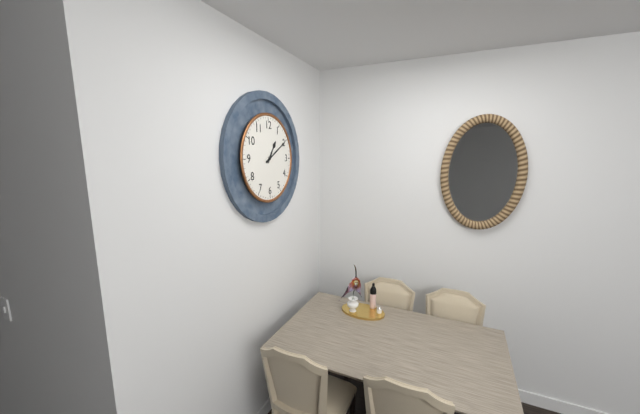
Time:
**1:10**
